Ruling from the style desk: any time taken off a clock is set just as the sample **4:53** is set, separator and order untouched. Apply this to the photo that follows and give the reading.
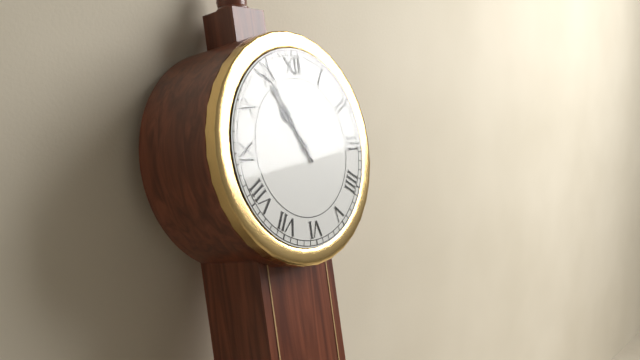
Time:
**10:55**
